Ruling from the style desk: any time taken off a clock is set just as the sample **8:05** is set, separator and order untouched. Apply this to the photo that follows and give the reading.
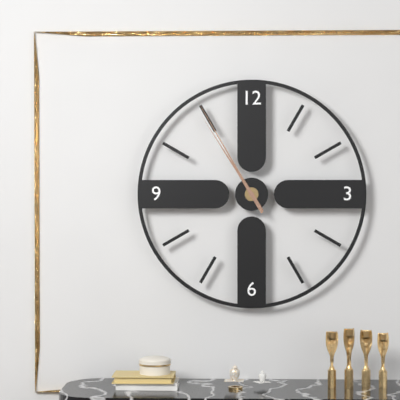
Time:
**10:55**
